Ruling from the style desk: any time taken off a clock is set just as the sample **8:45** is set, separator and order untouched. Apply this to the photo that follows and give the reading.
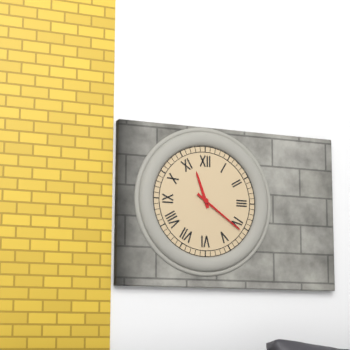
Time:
**11:21**
